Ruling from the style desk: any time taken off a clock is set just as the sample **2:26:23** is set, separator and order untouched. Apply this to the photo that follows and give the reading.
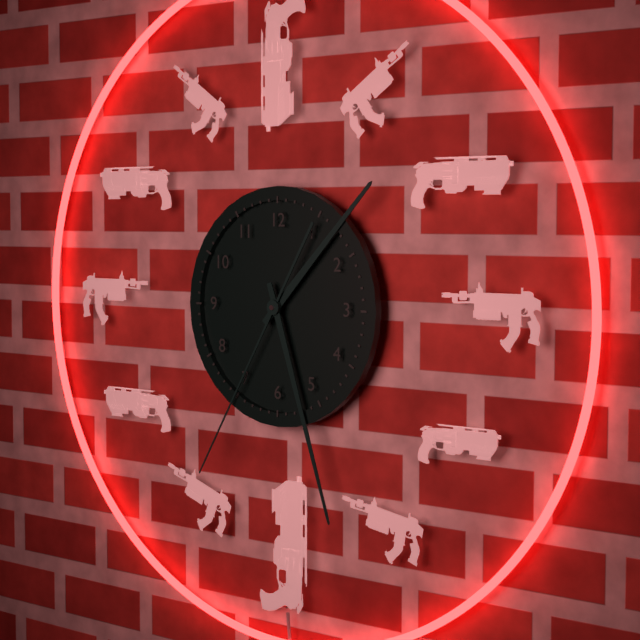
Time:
**1:27:35**
